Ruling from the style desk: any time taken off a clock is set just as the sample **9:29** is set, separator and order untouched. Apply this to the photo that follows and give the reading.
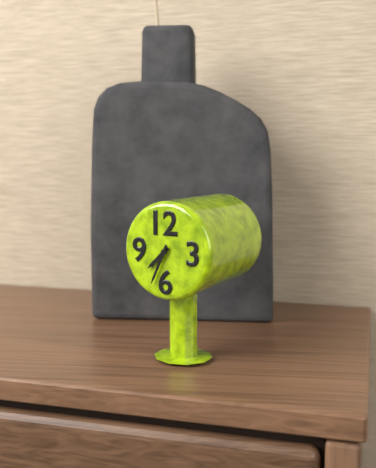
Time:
**7:34**
